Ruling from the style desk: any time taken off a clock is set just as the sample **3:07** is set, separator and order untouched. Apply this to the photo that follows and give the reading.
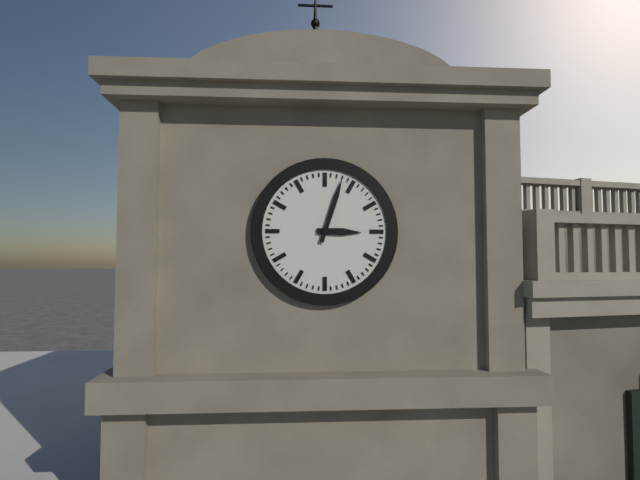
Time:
**3:03**
